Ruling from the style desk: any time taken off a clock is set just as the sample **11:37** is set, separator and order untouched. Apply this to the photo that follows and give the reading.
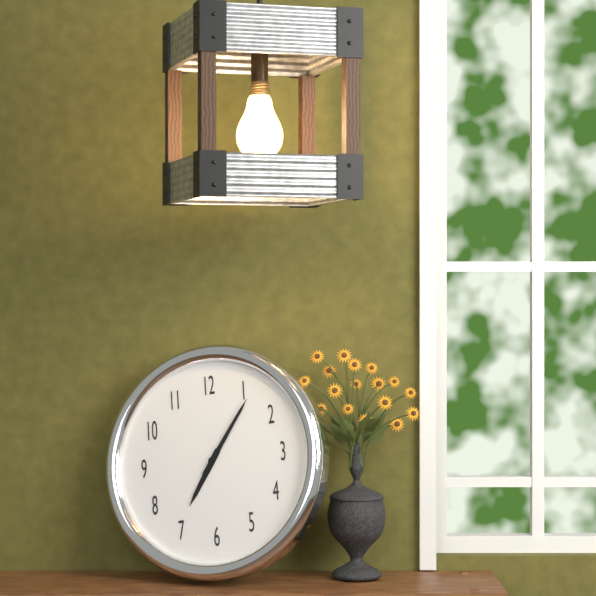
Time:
**7:06**
